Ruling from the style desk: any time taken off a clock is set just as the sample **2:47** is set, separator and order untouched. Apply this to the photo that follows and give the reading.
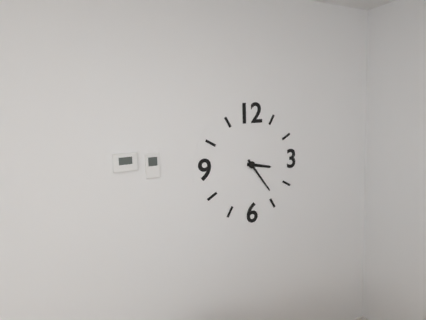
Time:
**3:24**
